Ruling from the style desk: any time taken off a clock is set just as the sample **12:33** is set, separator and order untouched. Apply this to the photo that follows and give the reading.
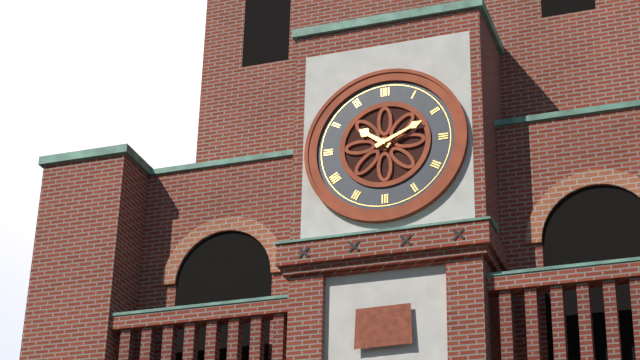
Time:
**10:11**
